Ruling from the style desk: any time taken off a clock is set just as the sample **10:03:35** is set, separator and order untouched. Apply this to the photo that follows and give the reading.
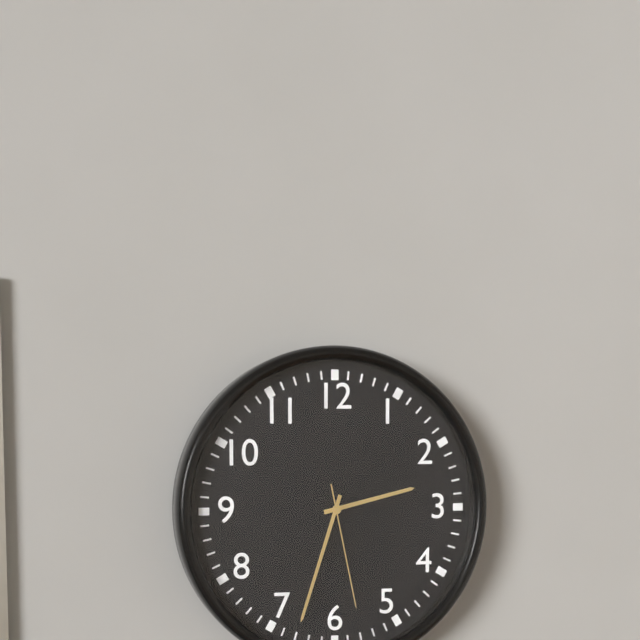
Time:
**2:33:28**
